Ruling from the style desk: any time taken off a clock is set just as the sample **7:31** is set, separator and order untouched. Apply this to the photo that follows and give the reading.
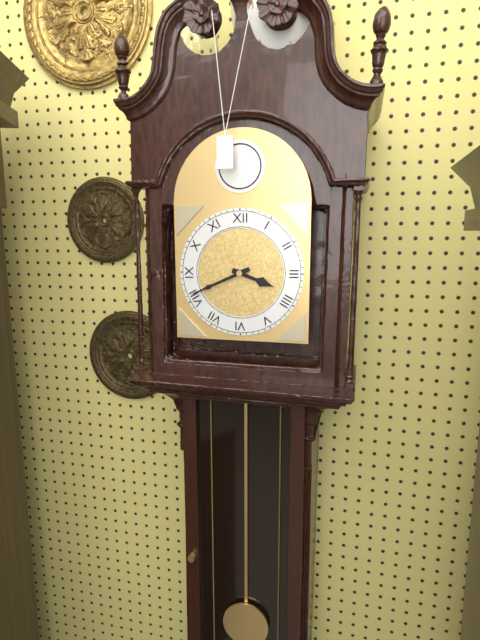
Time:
**3:41**
